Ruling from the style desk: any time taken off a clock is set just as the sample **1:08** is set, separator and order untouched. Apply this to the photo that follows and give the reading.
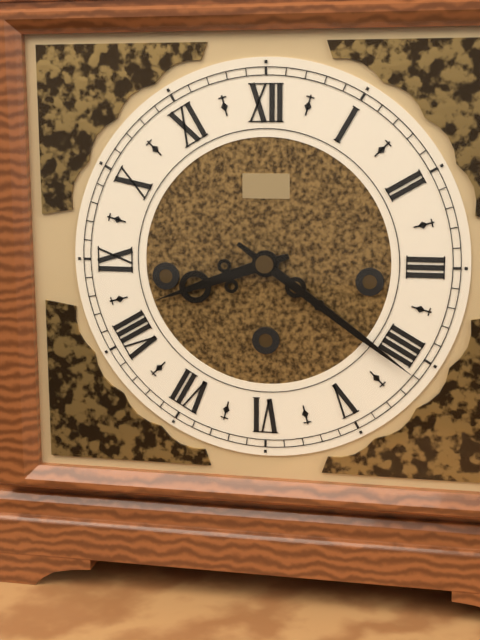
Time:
**8:21**
